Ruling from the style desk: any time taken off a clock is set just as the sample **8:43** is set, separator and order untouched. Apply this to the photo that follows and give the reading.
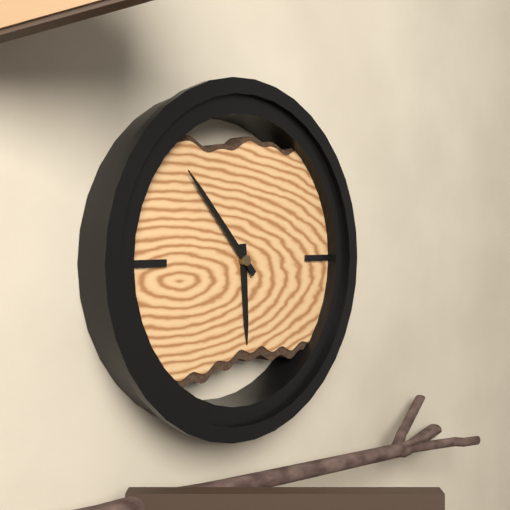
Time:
**5:53**
